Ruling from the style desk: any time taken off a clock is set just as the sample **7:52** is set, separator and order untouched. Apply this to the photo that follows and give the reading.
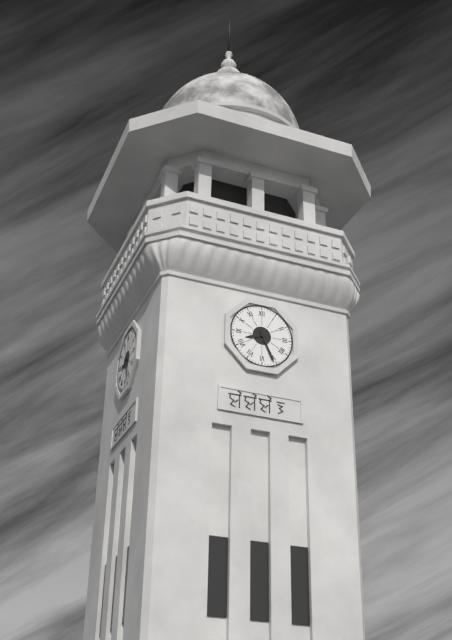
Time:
**8:26**
